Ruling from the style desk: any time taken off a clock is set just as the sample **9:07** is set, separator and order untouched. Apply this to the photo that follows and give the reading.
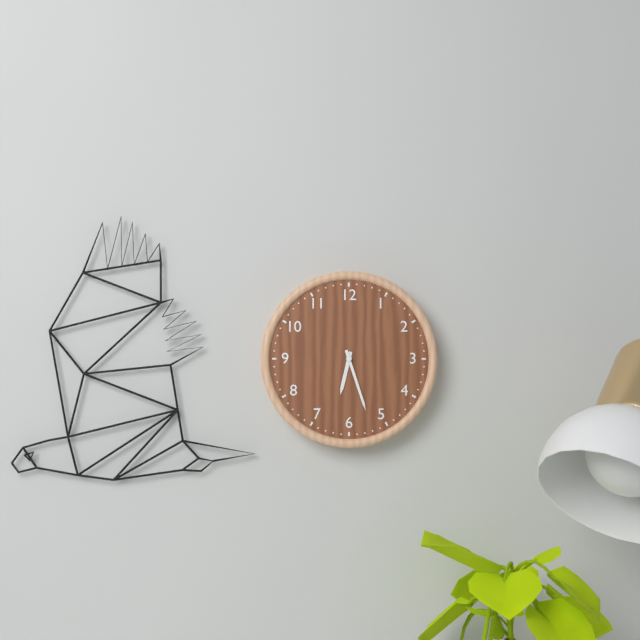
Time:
**6:27**
